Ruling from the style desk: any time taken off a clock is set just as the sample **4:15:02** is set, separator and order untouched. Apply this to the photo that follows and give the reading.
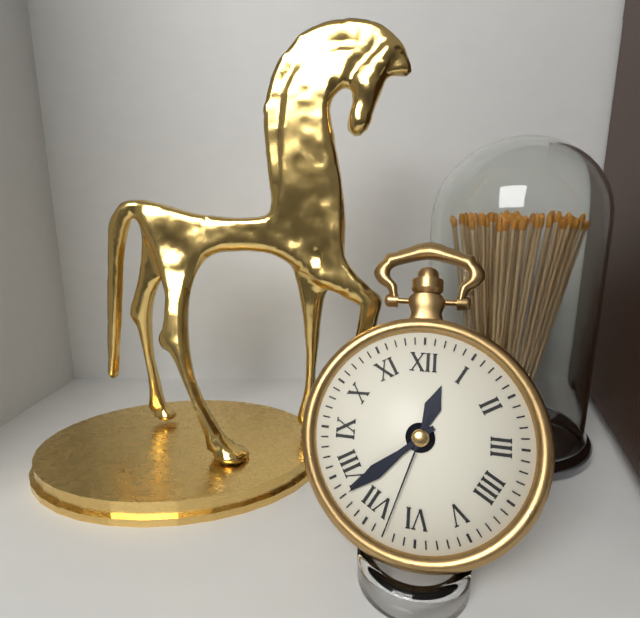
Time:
**12:38:33**
